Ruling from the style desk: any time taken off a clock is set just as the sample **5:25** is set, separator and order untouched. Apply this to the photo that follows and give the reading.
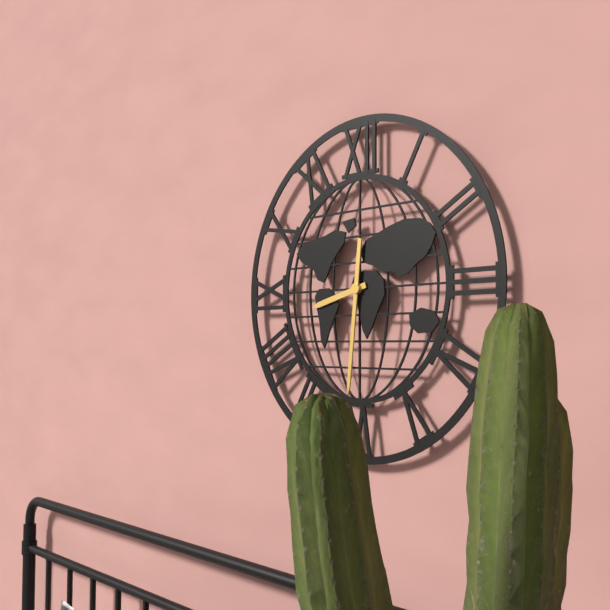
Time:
**8:31**
